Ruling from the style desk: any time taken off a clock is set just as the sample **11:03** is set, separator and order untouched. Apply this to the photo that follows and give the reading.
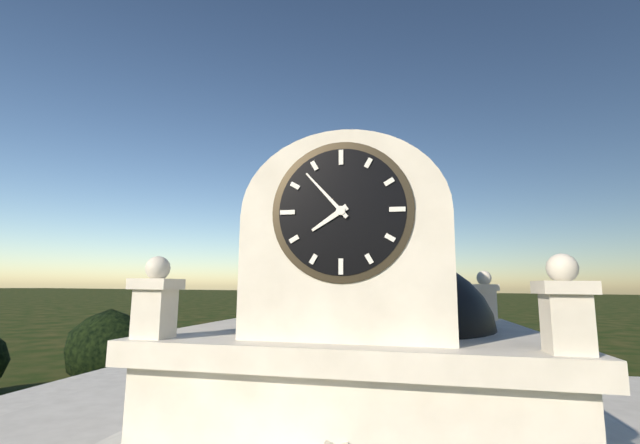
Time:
**7:53**
